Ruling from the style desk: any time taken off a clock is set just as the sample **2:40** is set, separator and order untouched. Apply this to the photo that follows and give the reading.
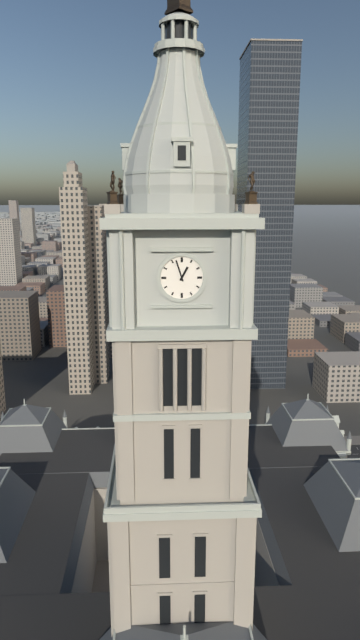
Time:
**12:57**
